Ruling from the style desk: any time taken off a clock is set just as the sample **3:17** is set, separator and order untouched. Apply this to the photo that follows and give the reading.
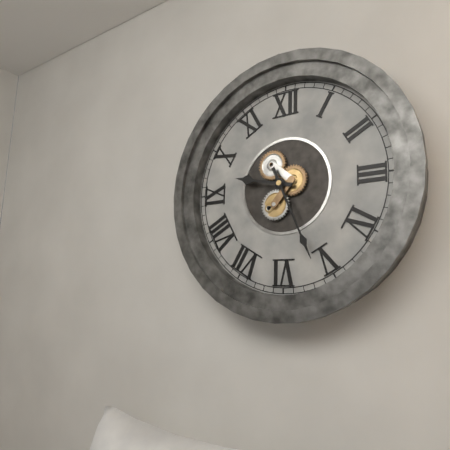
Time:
**9:26**
